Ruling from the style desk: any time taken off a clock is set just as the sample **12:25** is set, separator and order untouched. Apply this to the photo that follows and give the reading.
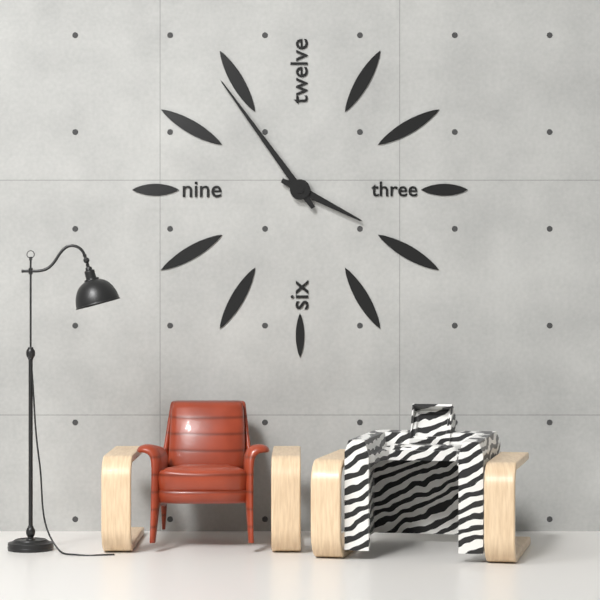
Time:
**3:54**
